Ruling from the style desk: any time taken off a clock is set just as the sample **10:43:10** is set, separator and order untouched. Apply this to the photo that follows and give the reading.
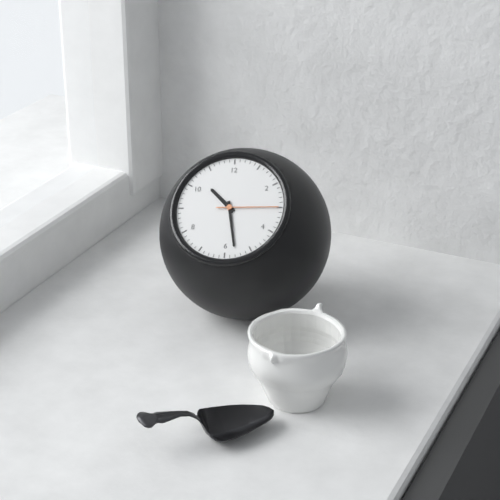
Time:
**10:28:15**
